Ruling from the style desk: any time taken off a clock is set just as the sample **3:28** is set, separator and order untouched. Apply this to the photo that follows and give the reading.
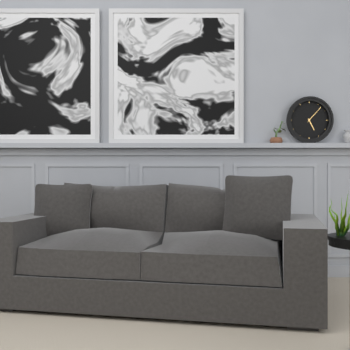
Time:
**5:07**
